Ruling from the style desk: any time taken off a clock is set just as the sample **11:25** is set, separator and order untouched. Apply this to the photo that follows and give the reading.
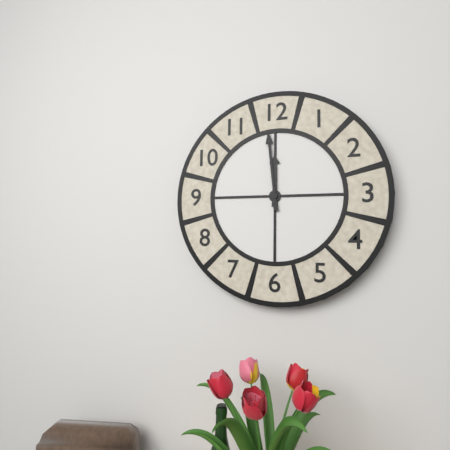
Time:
**11:59**
